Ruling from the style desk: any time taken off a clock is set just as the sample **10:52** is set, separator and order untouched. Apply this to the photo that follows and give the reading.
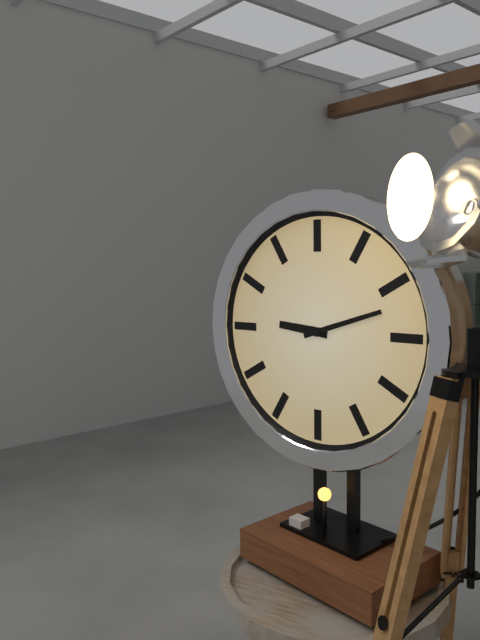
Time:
**9:12**
